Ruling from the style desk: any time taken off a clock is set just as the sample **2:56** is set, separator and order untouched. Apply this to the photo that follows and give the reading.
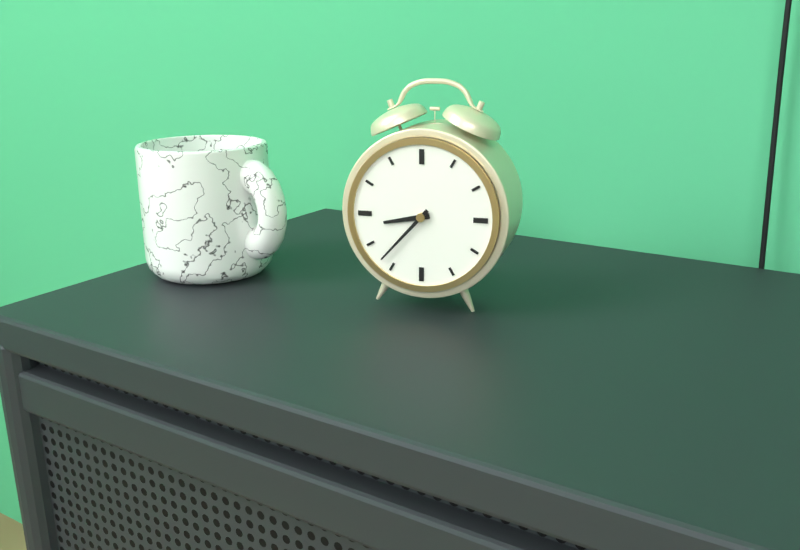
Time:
**8:37**
